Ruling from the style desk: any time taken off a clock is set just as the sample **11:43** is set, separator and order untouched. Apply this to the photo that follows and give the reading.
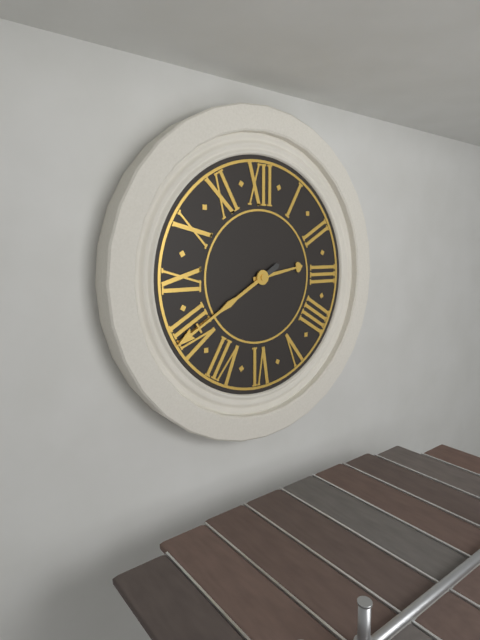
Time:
**2:40**
